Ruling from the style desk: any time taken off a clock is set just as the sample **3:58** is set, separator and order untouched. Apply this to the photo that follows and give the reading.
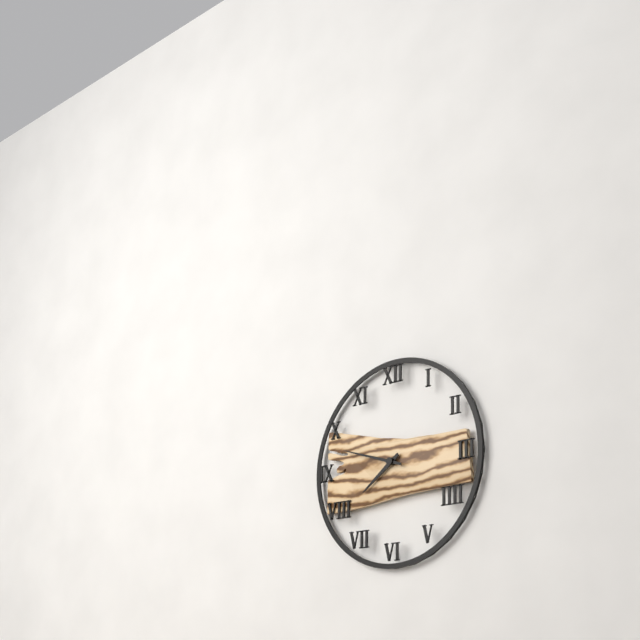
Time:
**7:48**
